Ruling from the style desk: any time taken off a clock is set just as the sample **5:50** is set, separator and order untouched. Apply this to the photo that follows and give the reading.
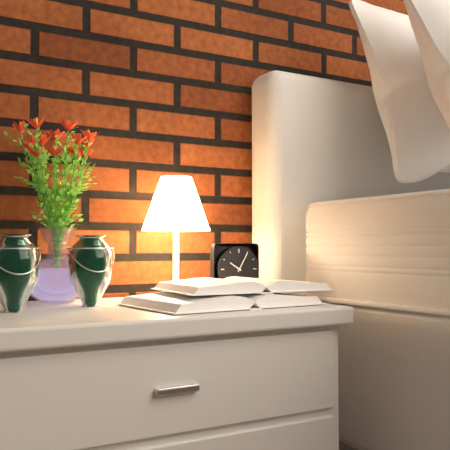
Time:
**10:05**
